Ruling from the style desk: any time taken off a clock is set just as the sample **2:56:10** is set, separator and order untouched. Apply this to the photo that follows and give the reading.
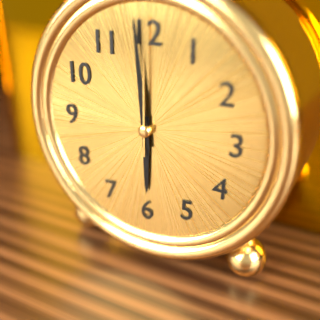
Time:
**5:59:00**
